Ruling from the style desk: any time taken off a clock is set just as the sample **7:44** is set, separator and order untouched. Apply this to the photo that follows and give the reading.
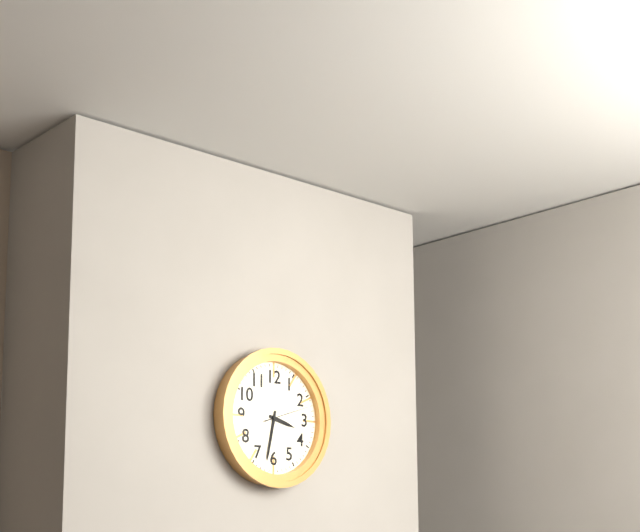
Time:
**3:32**
